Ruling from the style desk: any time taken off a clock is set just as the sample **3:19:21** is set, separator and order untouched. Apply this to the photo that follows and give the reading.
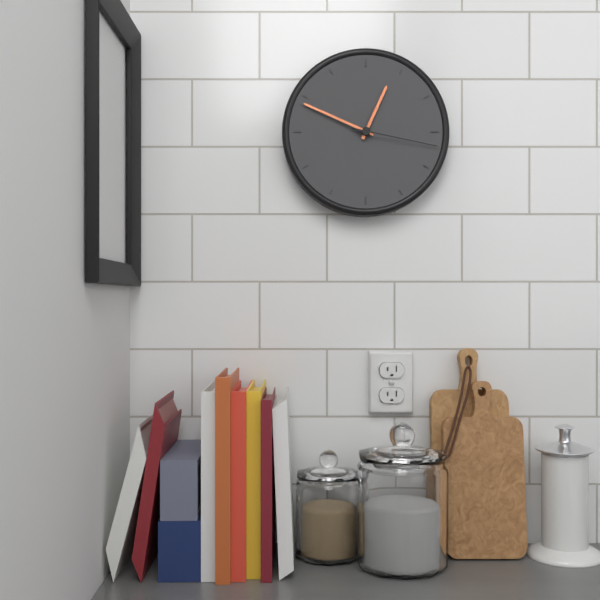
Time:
**12:49:17**
